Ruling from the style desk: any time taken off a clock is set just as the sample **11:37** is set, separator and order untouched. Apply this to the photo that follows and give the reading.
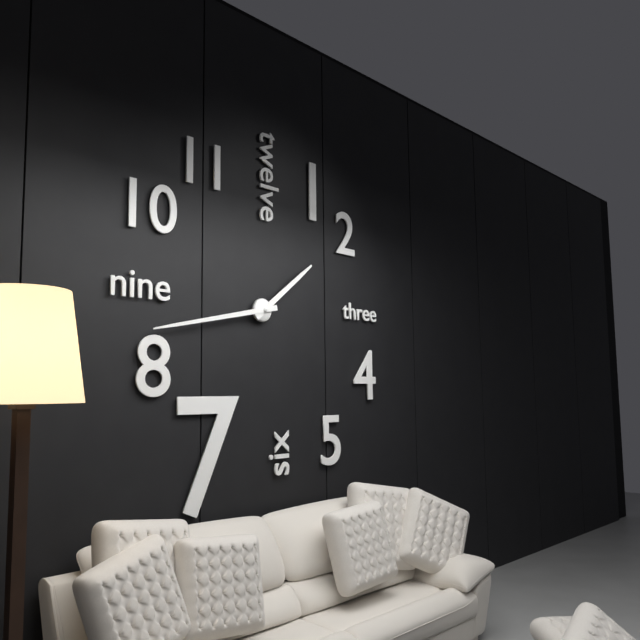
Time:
**1:43**
